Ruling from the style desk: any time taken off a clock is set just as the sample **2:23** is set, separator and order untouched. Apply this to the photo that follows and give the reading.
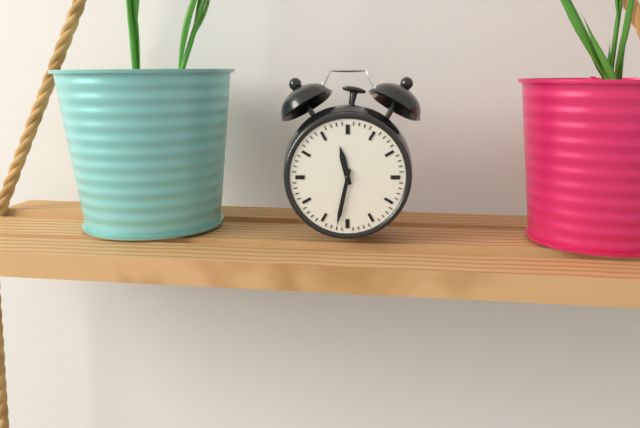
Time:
**11:32**
